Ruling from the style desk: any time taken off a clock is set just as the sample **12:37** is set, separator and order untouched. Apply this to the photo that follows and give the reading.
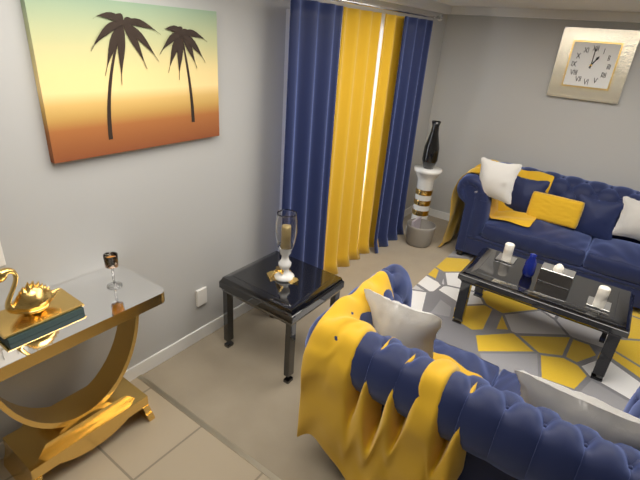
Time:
**1:00**
